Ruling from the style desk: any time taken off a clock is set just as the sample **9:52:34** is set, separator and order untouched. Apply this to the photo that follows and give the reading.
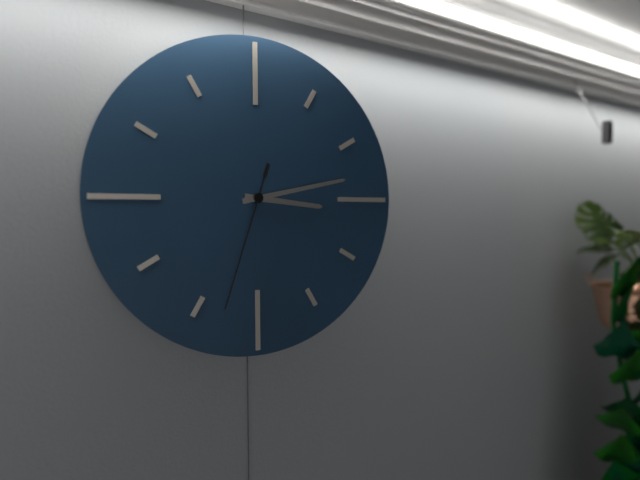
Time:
**3:13:33**
